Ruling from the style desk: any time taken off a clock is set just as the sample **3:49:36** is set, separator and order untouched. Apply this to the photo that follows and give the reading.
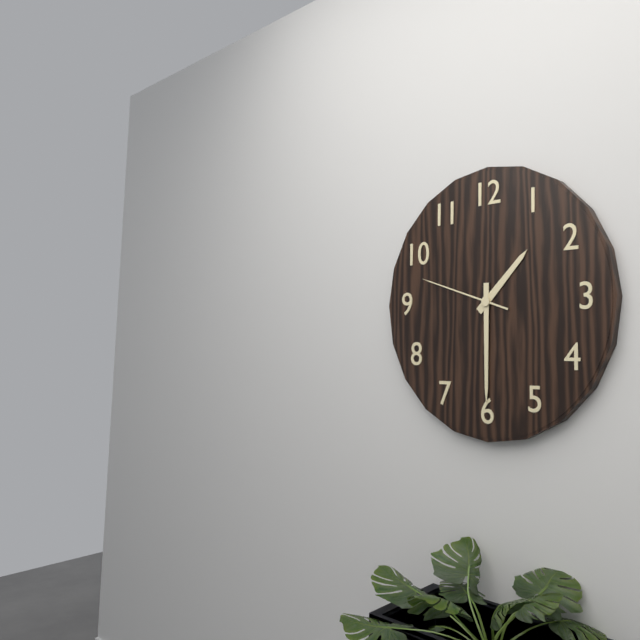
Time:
**1:30:48**
